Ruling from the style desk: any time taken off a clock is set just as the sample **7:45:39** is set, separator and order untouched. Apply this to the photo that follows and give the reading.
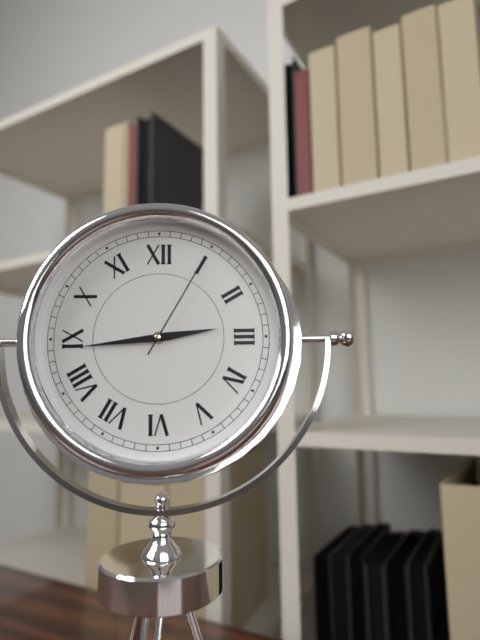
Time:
**2:44:05**
